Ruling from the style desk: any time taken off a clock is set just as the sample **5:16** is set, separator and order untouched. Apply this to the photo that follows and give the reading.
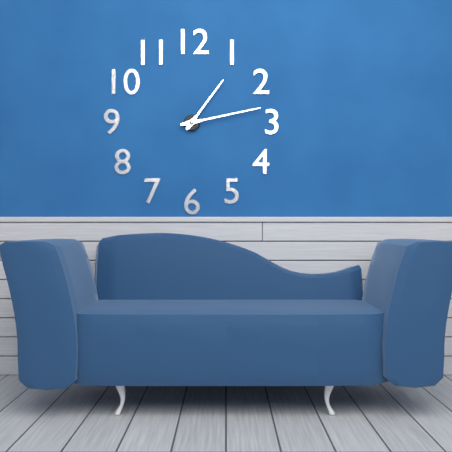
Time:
**1:13**
